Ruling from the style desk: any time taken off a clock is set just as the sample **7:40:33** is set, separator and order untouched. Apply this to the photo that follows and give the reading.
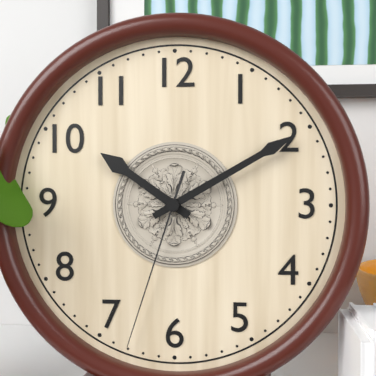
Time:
**10:10:33**
